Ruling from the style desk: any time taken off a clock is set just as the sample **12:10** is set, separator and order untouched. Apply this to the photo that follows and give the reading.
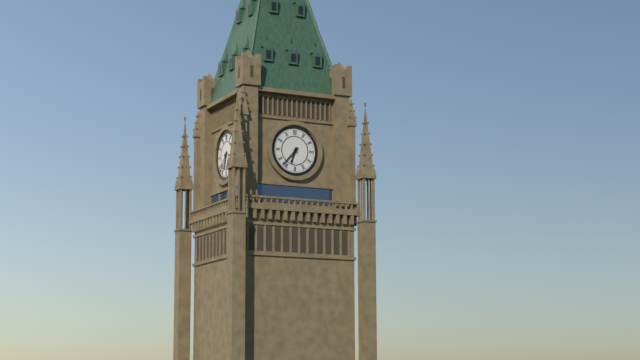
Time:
**6:37**
